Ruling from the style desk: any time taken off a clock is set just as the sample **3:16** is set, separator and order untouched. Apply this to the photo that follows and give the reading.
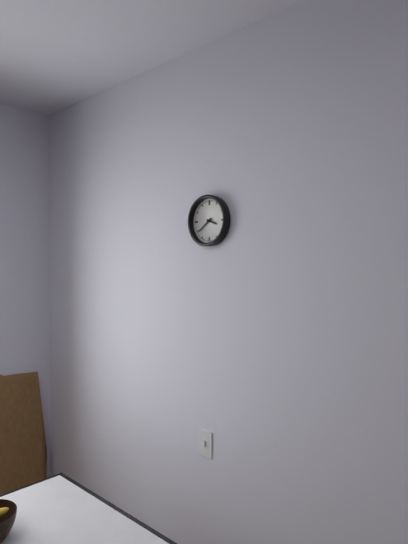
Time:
**3:39**
